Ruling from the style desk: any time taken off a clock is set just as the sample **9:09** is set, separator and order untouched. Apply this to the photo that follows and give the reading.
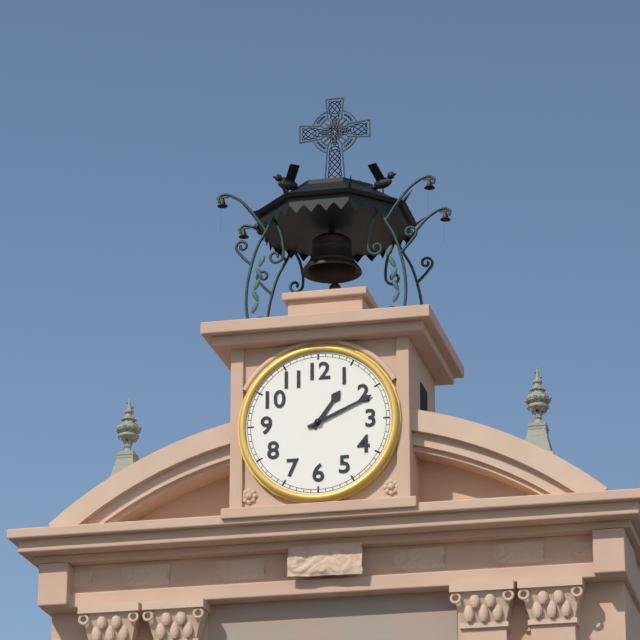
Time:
**1:11**
